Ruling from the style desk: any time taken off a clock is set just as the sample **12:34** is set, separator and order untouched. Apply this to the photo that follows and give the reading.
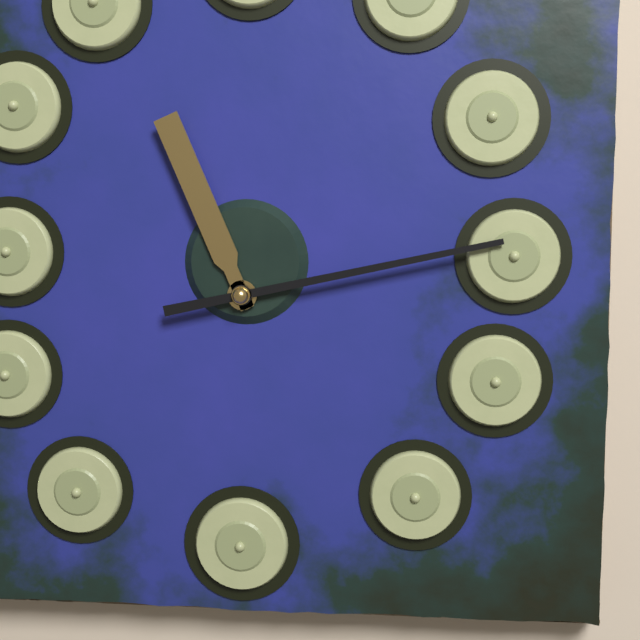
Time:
**11:13**
